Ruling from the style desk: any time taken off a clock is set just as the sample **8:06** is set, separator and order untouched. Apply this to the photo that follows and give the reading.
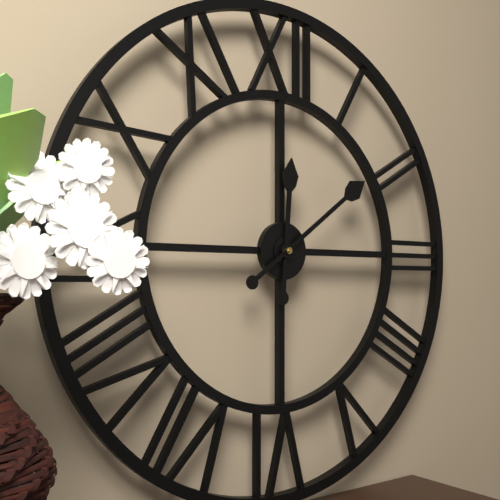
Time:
**12:09**
